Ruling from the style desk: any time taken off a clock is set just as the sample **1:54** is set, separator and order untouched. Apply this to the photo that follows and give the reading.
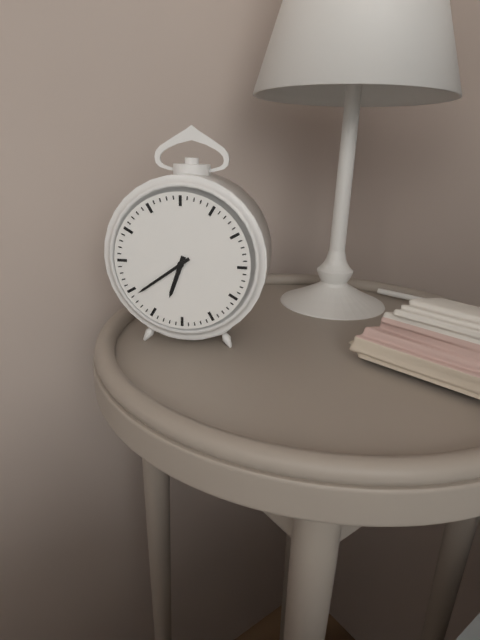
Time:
**6:39**
